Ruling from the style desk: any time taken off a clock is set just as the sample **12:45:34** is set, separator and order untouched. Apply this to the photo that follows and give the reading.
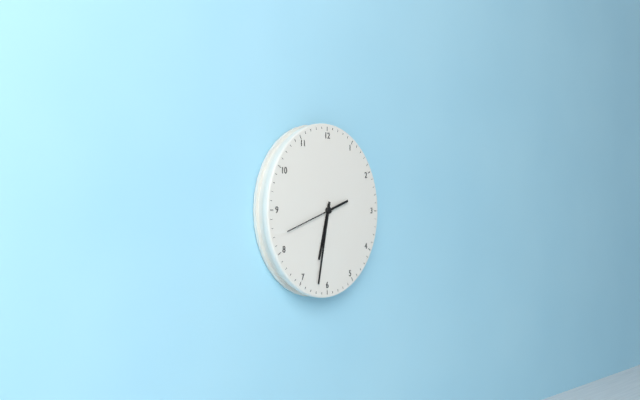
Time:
**6:32:42**
